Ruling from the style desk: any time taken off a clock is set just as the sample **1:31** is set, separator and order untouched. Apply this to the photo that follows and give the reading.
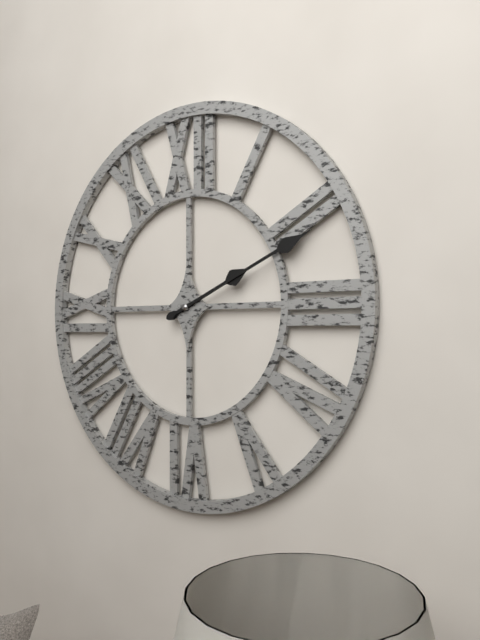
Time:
**2:11**
